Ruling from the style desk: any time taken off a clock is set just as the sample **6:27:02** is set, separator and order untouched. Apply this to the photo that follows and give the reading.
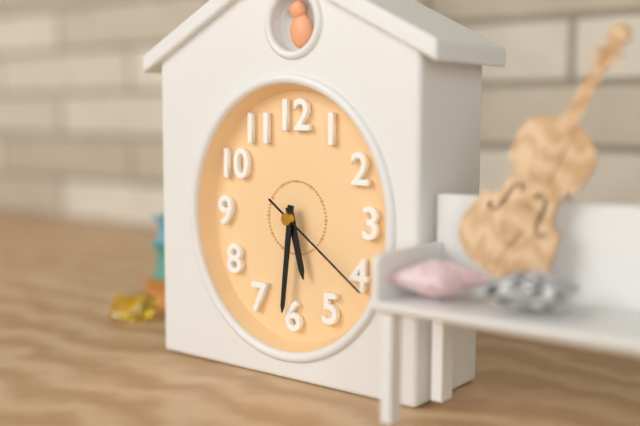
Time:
**5:31:21**
